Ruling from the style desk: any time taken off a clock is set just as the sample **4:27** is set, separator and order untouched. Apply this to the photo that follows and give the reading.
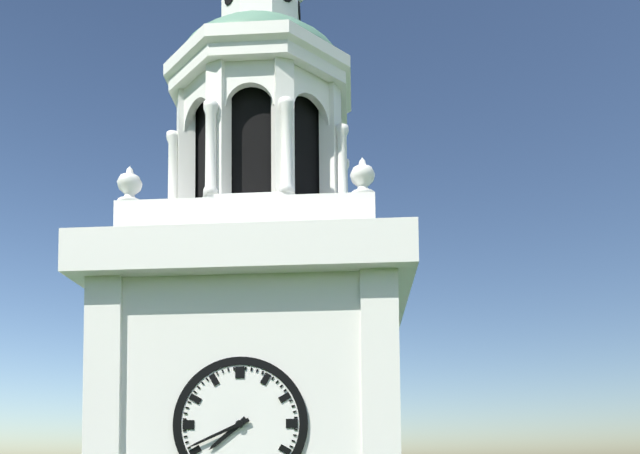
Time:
**7:41**
